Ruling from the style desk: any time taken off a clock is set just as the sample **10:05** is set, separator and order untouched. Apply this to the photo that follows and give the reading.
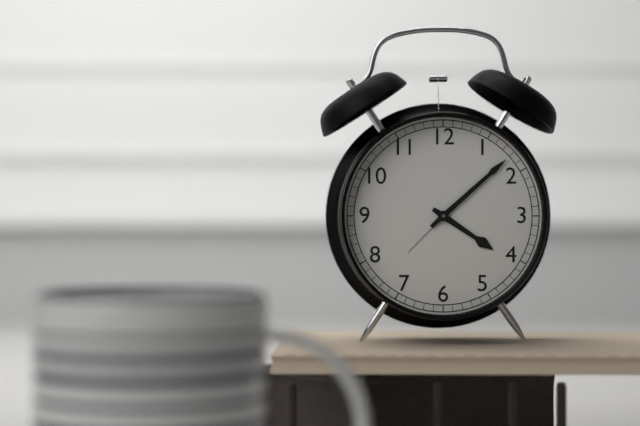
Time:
**4:08**
